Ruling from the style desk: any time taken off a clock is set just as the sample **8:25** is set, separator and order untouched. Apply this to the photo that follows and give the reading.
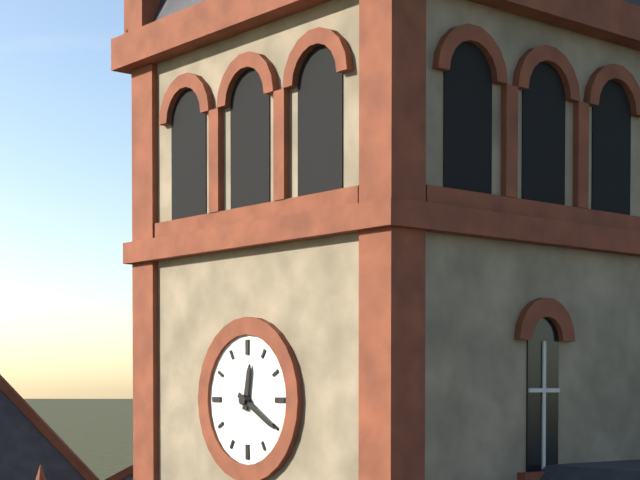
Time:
**12:20**
